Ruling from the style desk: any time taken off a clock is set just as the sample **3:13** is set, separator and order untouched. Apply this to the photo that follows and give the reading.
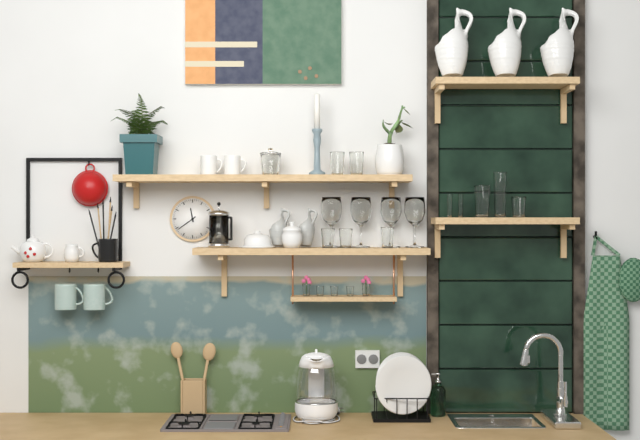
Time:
**11:39**
